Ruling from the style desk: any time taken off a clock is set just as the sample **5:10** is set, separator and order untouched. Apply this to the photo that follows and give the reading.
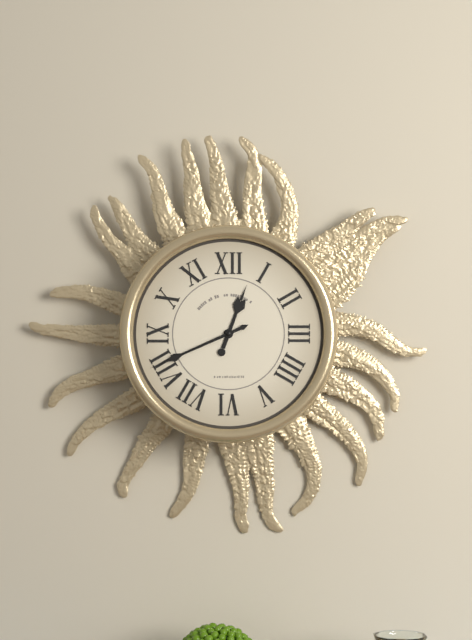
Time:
**12:41**
